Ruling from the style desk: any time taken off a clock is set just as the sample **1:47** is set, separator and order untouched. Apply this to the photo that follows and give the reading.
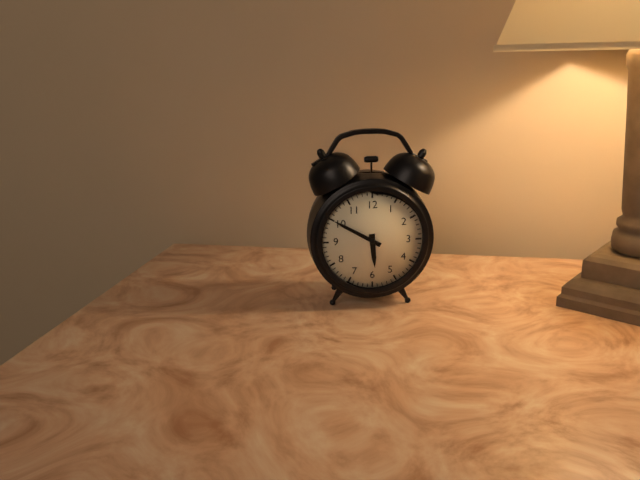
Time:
**5:50**
